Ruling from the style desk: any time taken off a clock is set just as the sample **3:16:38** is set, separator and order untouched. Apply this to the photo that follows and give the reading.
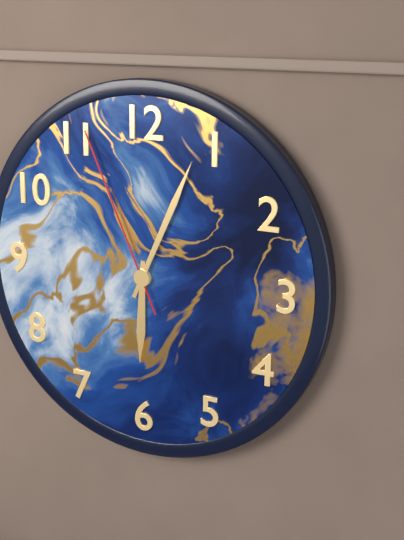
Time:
**6:04:56**
